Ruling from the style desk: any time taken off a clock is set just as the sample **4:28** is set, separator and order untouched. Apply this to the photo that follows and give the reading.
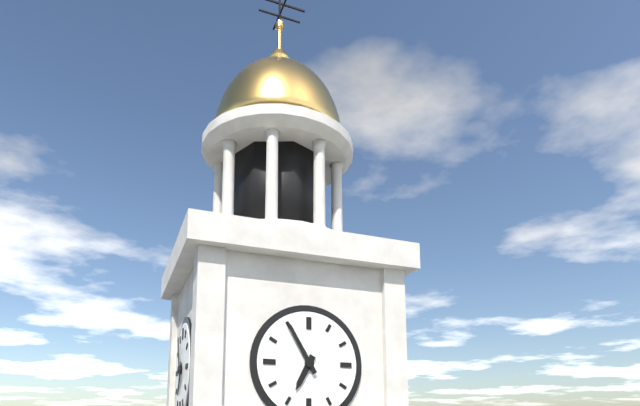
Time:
**6:55**
